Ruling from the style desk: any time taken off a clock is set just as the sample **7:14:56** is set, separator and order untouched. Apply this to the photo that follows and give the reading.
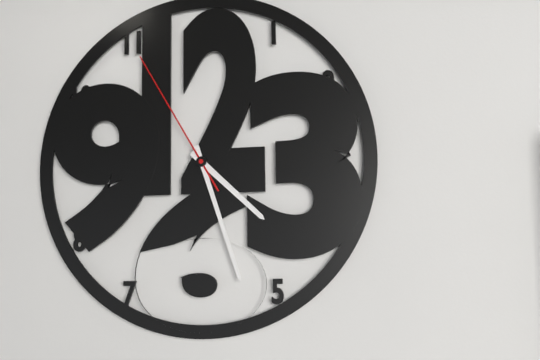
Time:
**4:27:55**
